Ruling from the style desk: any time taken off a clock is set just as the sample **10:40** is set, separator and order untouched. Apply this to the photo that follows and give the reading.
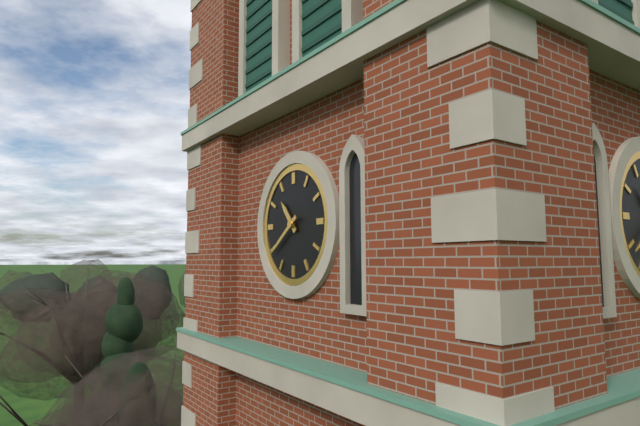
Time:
**10:39**
